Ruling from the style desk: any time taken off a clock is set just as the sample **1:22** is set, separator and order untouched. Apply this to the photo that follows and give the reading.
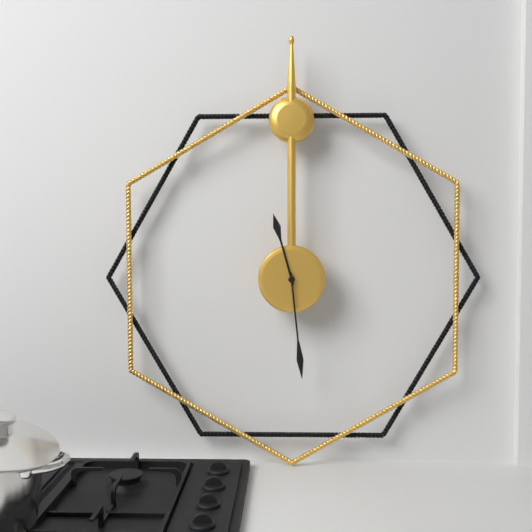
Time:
**11:29**
